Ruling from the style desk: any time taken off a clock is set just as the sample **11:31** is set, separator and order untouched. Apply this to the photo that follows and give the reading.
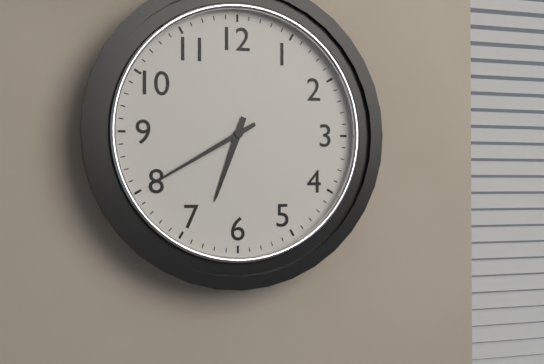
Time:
**6:40**
